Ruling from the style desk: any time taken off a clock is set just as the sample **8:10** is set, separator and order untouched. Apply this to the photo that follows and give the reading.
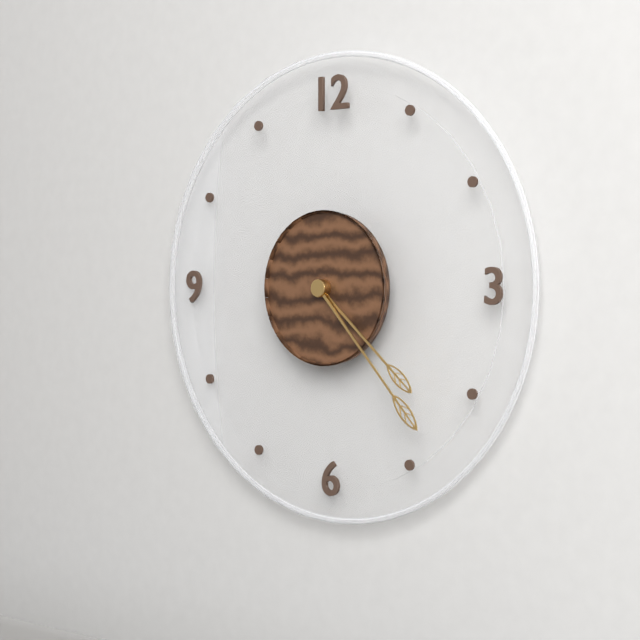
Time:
**4:23**
